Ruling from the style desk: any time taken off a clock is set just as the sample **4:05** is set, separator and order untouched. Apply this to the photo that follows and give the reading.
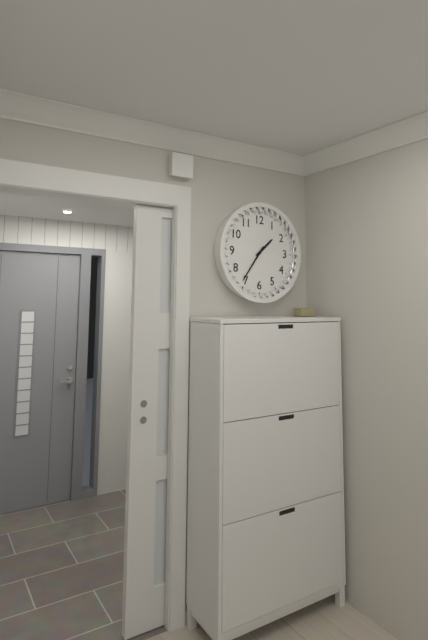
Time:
**1:36**
